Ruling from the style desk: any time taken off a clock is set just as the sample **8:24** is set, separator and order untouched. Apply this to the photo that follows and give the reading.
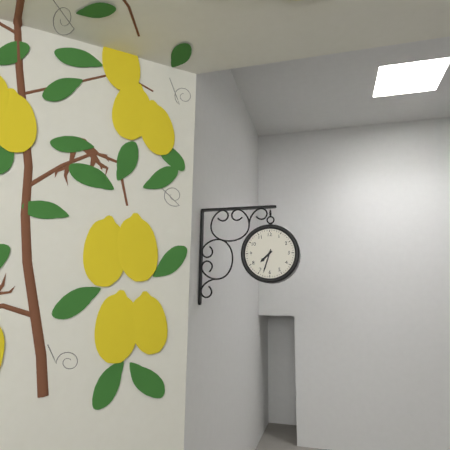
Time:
**7:33**
